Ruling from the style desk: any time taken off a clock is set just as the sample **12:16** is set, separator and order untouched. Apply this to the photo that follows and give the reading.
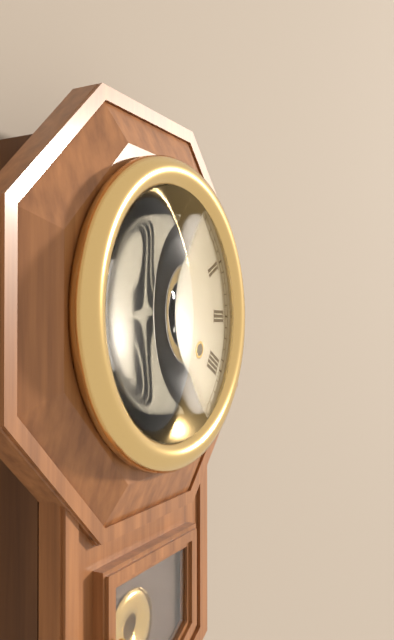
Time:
**11:33**
